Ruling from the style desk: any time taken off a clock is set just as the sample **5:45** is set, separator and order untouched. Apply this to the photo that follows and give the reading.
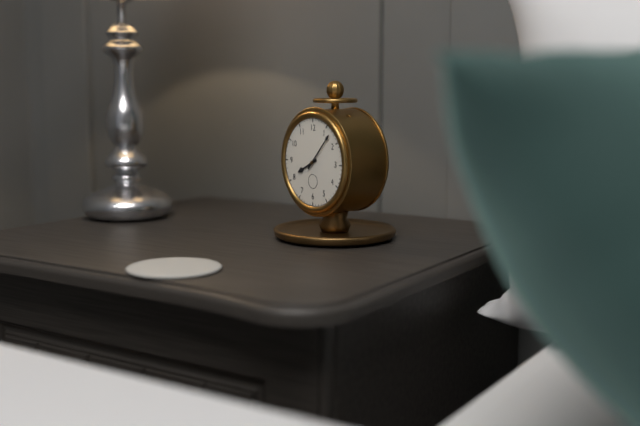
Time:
**8:07**
